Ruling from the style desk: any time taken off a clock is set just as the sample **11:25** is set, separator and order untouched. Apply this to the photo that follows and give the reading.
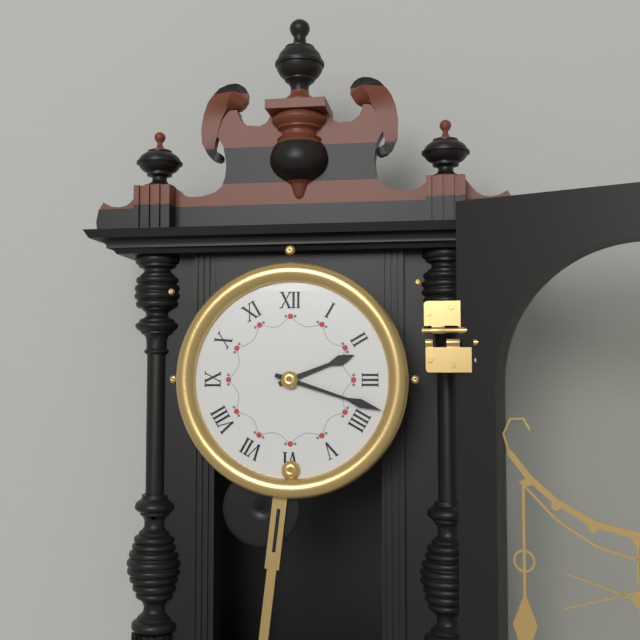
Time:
**2:18**
